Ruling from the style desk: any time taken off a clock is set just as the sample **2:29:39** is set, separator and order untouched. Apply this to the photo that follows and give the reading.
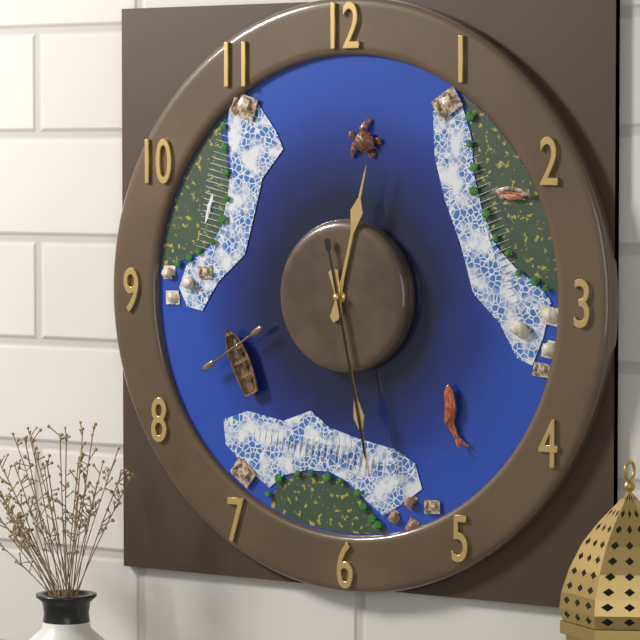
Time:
**12:28:28**
